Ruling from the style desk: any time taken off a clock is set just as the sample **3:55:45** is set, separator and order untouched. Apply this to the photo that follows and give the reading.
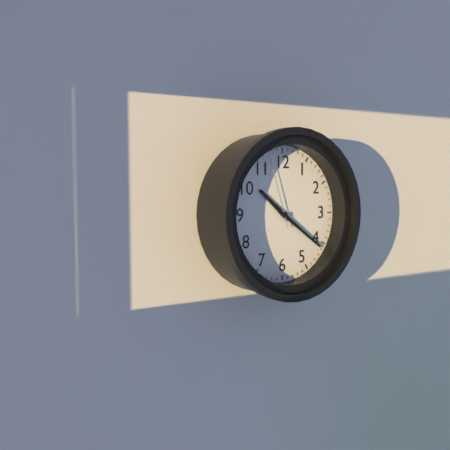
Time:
**10:21:57**
